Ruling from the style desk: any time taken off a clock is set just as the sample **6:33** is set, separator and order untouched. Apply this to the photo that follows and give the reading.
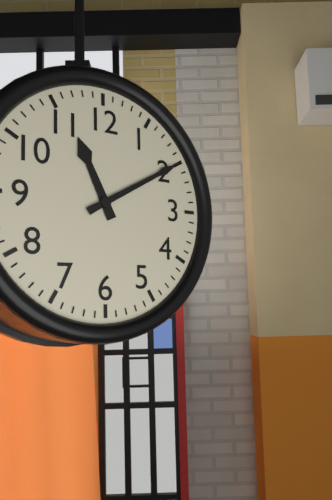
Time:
**11:10**
